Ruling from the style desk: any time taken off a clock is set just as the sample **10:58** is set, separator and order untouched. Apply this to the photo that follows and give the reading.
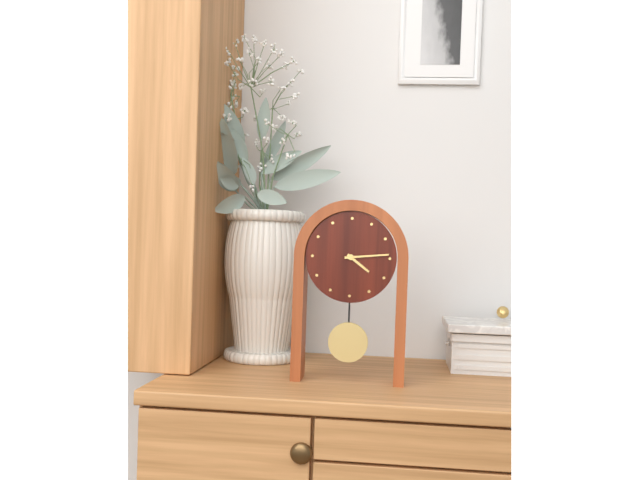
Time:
**4:14**
